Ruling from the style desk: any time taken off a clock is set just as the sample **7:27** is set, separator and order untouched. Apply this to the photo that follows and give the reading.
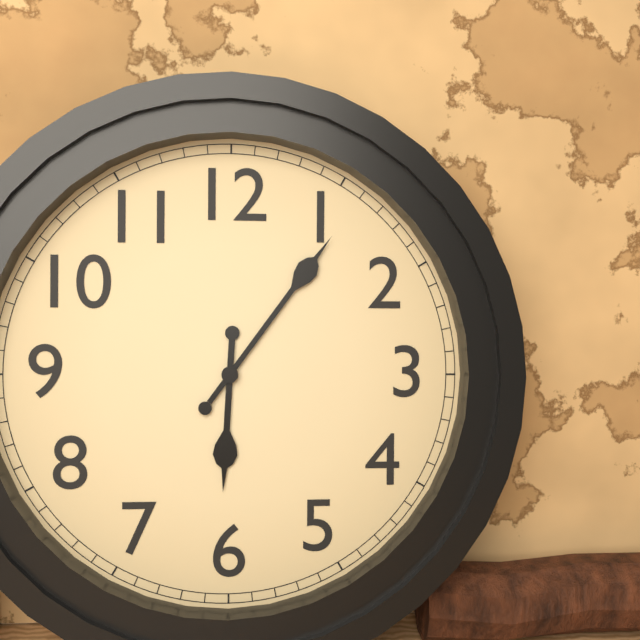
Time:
**6:06**
